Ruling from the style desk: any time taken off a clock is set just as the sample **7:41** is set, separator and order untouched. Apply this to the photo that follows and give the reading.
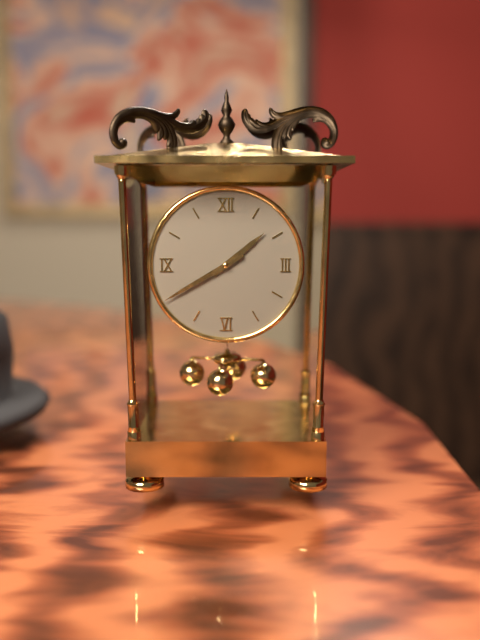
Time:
**1:40**
